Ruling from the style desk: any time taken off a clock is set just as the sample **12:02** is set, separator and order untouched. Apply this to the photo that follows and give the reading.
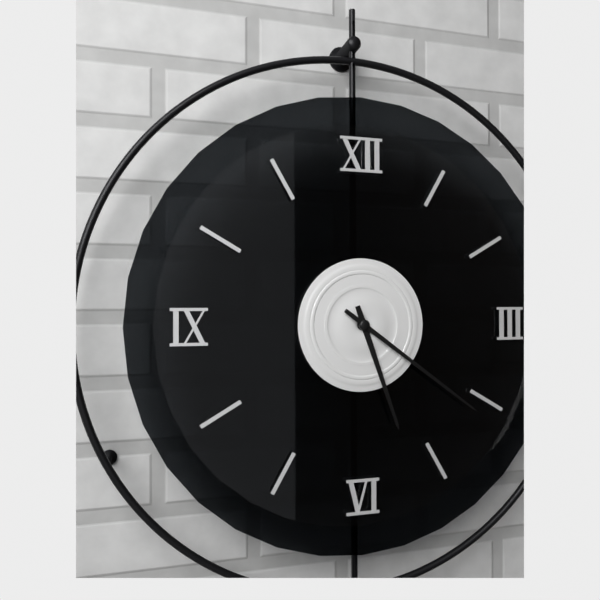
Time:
**5:21**
